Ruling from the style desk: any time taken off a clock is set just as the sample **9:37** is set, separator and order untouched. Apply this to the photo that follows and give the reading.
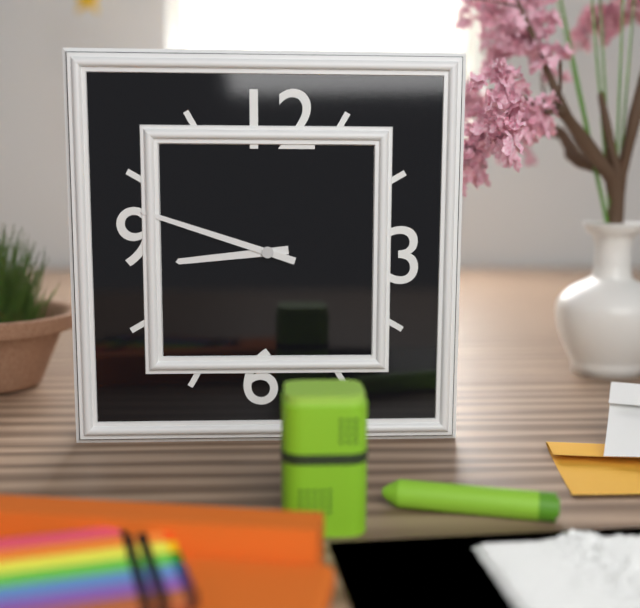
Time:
**8:48**
